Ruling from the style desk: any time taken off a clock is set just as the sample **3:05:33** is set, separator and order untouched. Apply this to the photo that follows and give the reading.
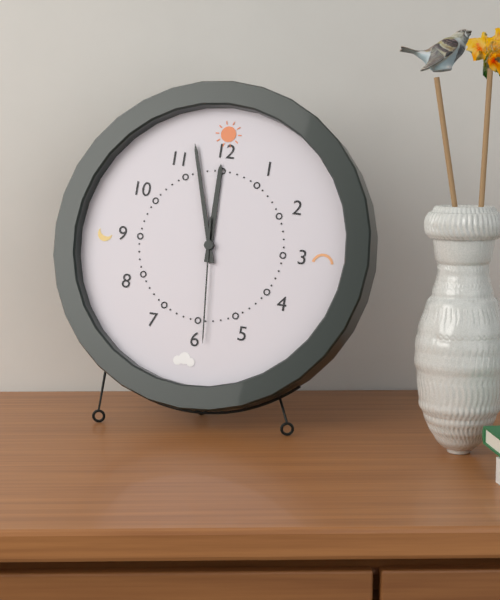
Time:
**11:57:29**
